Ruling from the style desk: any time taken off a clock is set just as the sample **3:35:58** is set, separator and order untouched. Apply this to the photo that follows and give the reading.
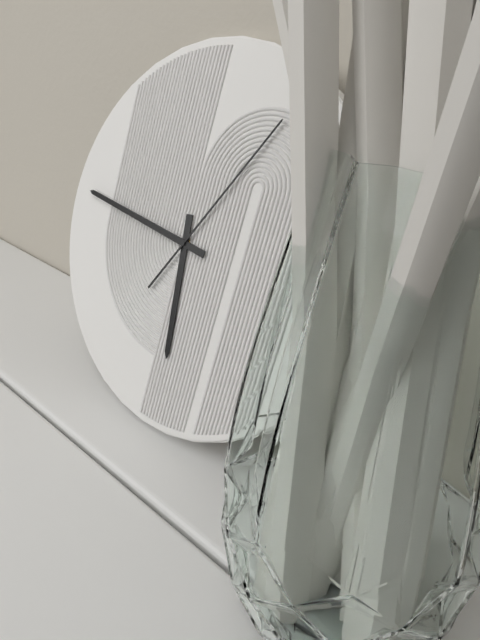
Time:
**5:46:05**
